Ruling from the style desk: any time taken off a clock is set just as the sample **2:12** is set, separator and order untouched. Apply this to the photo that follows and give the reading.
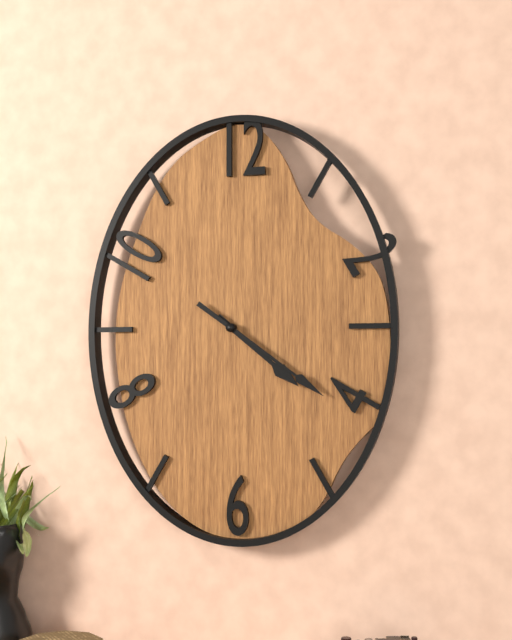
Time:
**4:21**
